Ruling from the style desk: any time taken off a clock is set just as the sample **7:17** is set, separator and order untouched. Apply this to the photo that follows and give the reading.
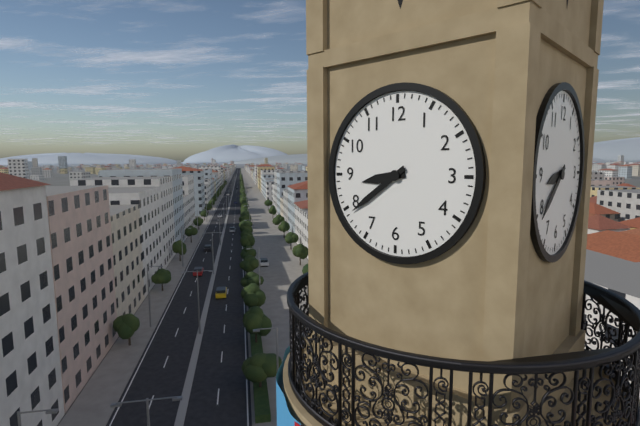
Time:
**8:39**
